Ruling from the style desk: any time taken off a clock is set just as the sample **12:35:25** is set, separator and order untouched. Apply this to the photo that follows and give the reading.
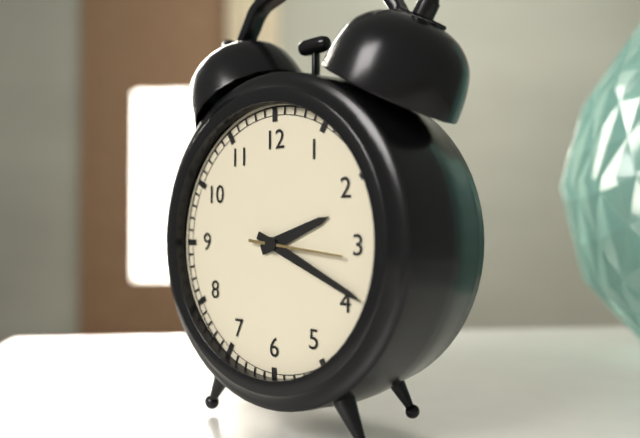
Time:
**2:19:16**
